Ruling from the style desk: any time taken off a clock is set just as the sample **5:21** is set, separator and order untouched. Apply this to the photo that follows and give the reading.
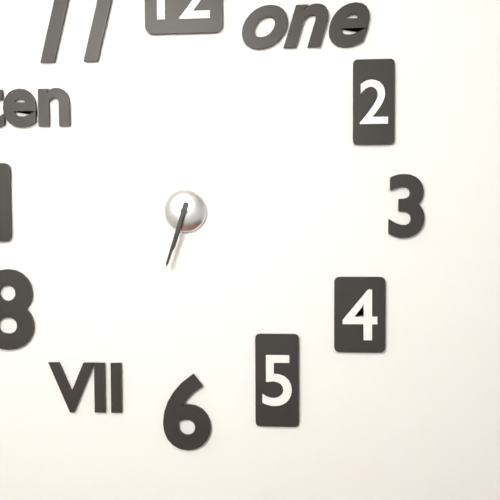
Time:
**6:33**
